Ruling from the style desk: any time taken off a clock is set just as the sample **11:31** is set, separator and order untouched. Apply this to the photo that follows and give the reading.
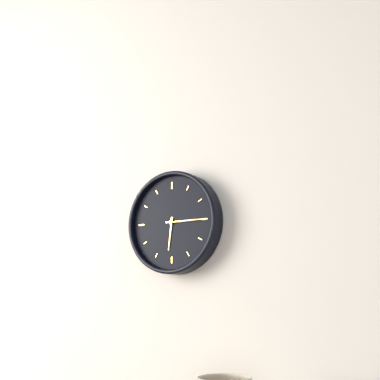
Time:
**6:15**
